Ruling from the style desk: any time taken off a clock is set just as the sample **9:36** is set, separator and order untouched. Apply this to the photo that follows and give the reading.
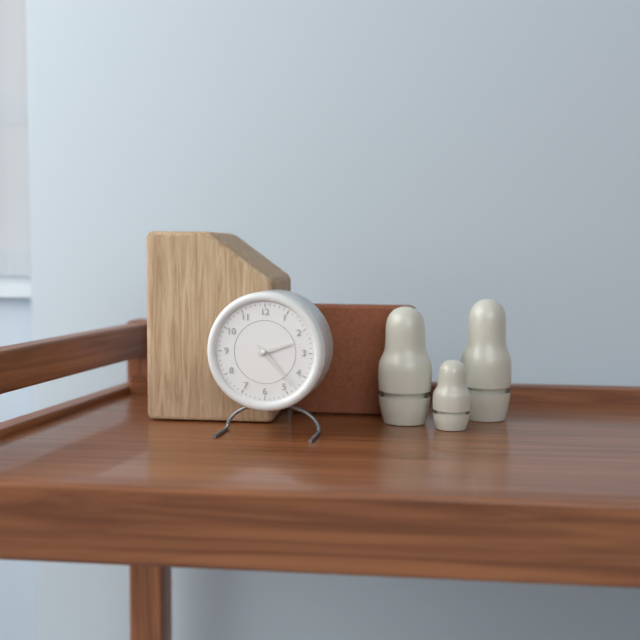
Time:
**2:23**
